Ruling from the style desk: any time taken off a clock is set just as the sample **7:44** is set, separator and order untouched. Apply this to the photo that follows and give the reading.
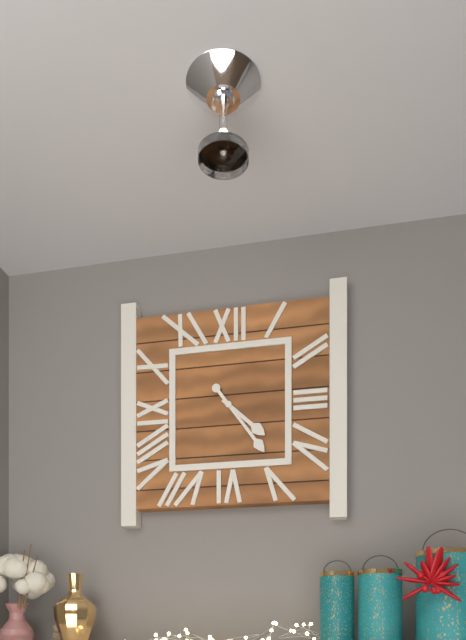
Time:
**4:24**
